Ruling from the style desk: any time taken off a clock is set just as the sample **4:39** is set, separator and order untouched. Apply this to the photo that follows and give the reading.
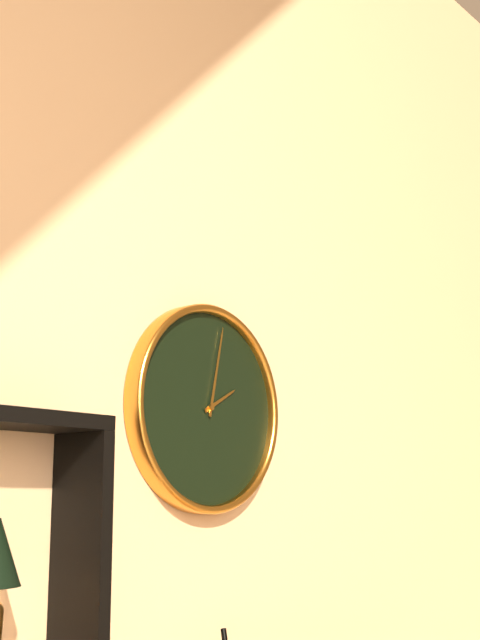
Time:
**2:02**
